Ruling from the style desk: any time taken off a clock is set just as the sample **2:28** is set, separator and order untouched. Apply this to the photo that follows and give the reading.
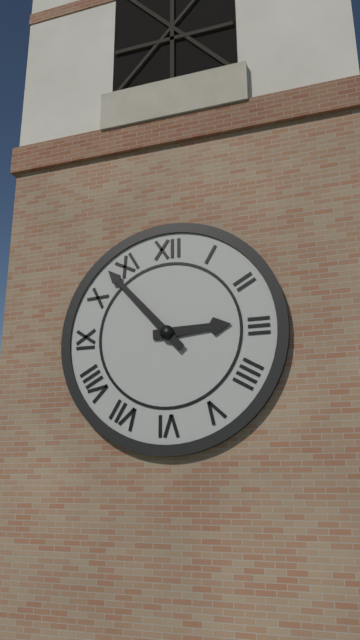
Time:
**2:53**
